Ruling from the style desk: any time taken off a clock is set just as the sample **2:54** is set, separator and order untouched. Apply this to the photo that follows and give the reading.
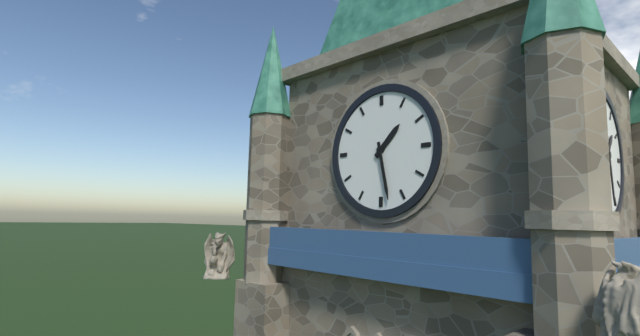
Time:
**1:28**
